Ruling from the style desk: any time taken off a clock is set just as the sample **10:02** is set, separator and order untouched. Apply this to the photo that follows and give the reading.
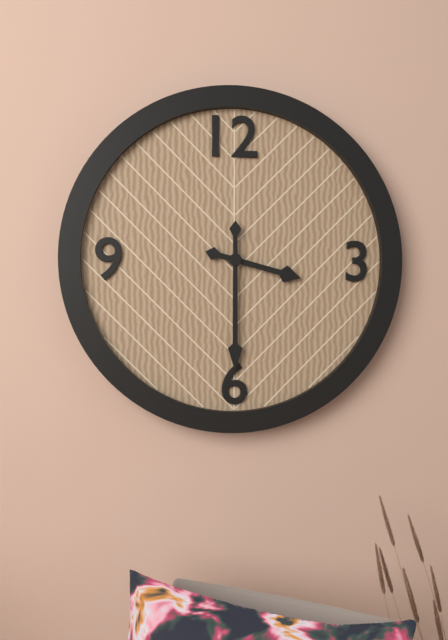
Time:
**3:30**
